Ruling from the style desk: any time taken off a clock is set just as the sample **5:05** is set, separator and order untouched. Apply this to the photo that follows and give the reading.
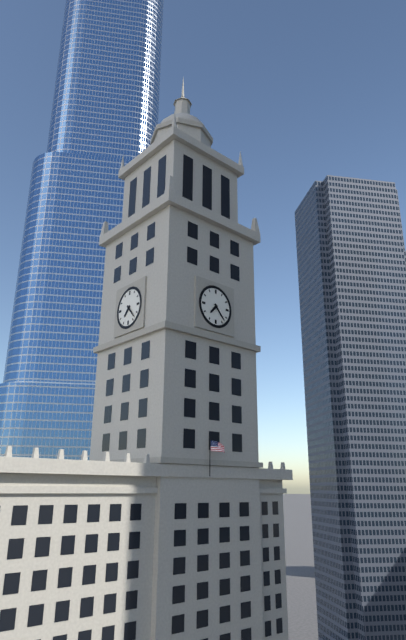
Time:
**7:23**
